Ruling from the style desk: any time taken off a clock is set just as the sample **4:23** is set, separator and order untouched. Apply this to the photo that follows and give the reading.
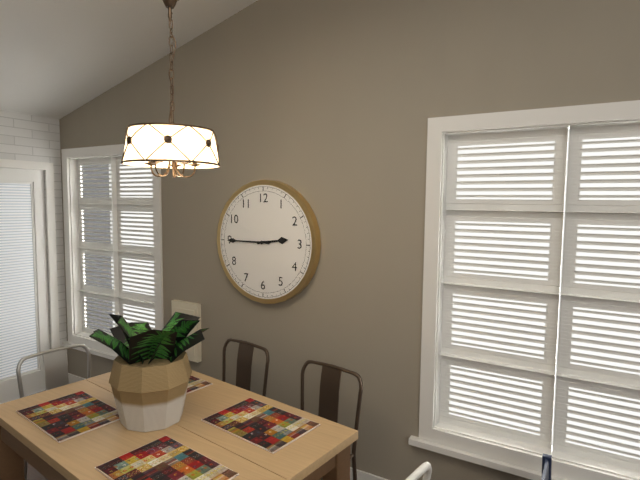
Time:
**2:45**
